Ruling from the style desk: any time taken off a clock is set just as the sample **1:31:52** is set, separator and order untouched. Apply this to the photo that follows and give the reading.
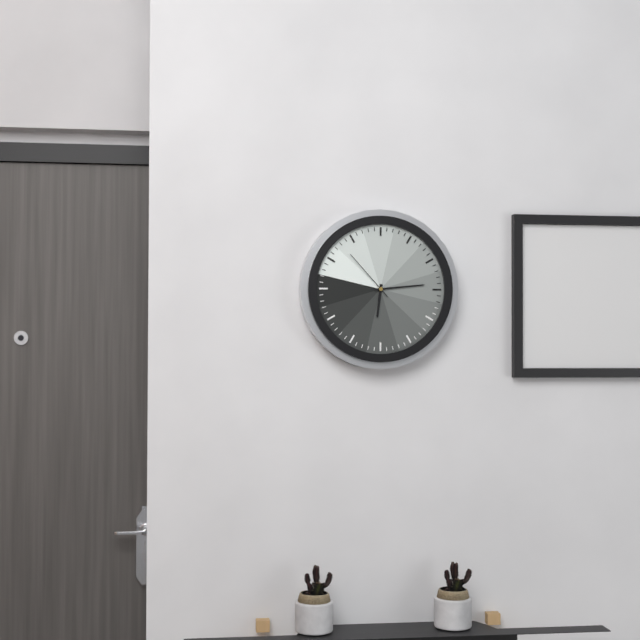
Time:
**6:14:53**
